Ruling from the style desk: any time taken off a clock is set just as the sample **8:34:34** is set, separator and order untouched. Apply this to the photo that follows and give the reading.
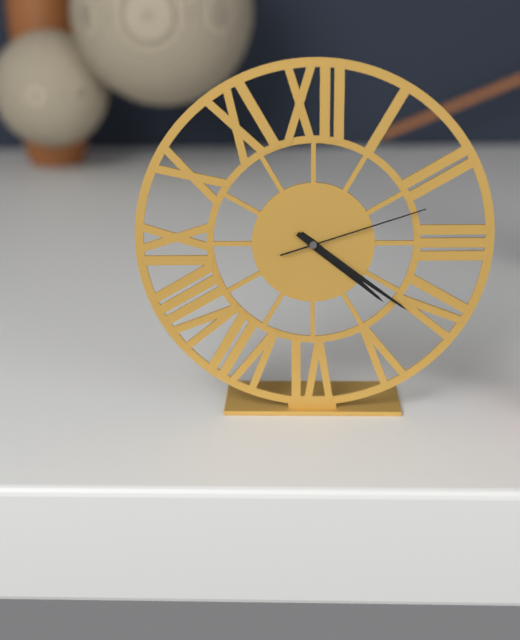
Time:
**4:21:12**
